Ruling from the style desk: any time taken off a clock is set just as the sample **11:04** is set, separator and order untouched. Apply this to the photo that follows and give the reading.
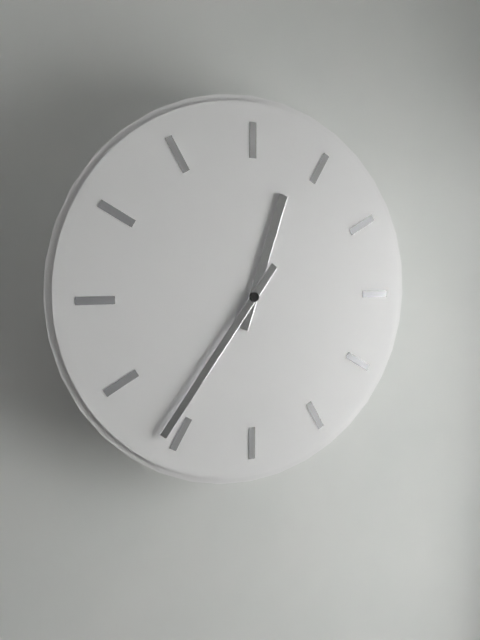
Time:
**12:36**
